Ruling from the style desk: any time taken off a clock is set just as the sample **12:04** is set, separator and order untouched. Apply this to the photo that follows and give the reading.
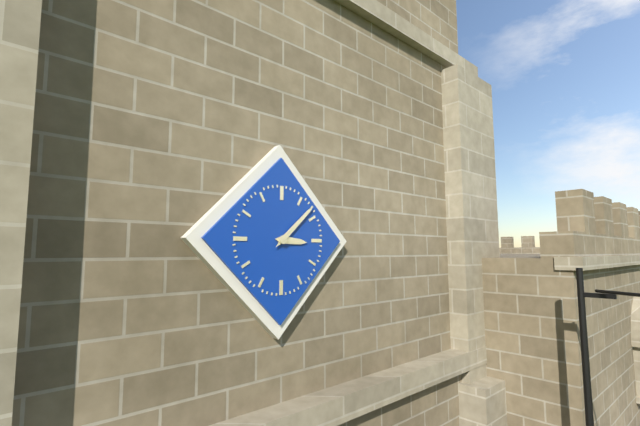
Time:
**3:08**
